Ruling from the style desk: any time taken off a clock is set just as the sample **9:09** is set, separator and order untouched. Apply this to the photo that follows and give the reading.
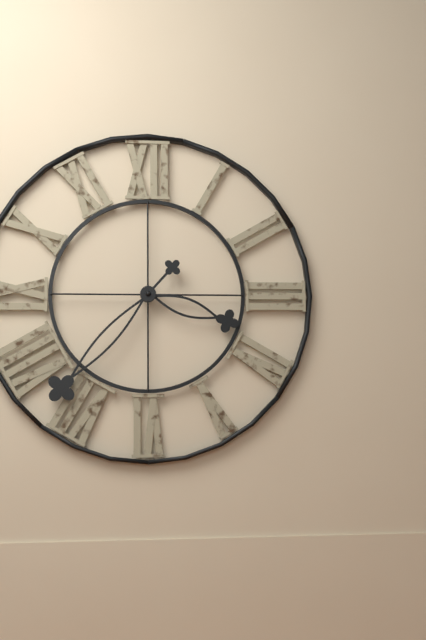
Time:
**3:37**
